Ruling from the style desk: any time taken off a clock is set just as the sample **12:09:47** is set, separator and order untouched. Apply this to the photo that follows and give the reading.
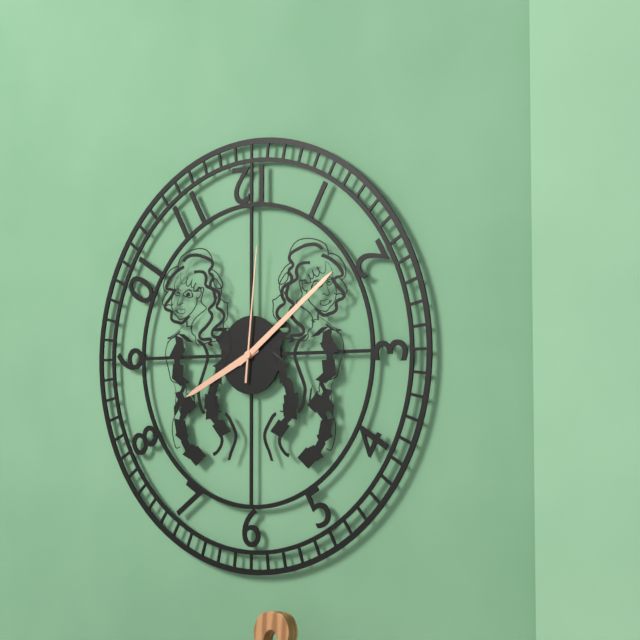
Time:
**8:09:01**
